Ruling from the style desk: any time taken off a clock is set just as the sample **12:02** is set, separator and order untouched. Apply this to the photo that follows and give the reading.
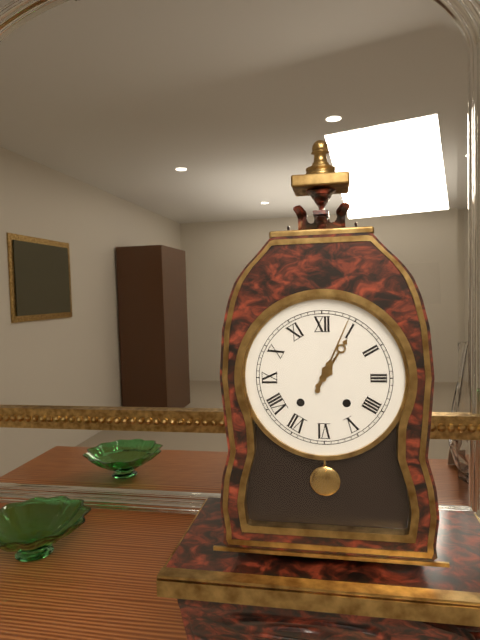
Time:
**1:04**
